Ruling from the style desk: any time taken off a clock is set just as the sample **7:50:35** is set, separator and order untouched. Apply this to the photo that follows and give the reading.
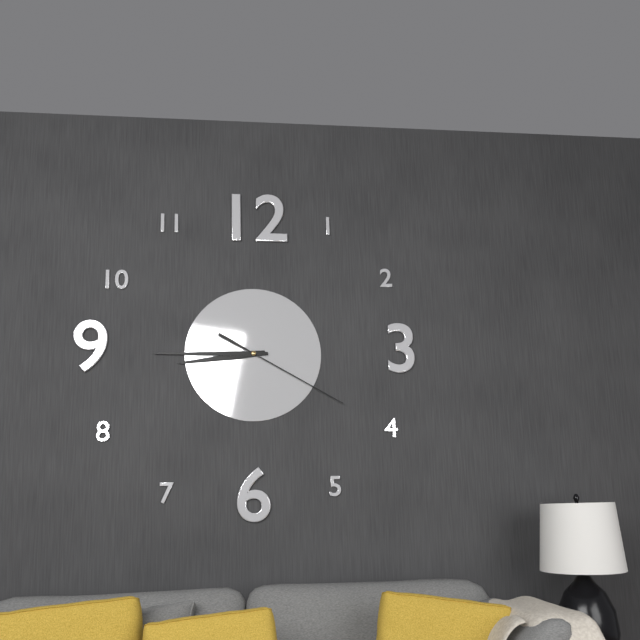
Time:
**8:45:20**
